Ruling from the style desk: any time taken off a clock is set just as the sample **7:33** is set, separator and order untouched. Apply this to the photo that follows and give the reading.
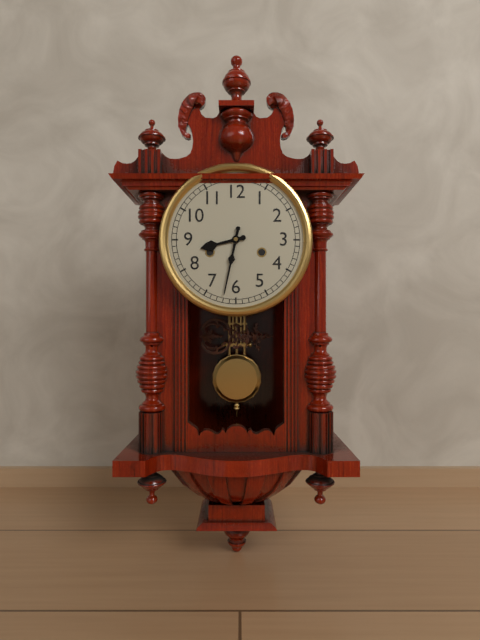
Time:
**8:32**
